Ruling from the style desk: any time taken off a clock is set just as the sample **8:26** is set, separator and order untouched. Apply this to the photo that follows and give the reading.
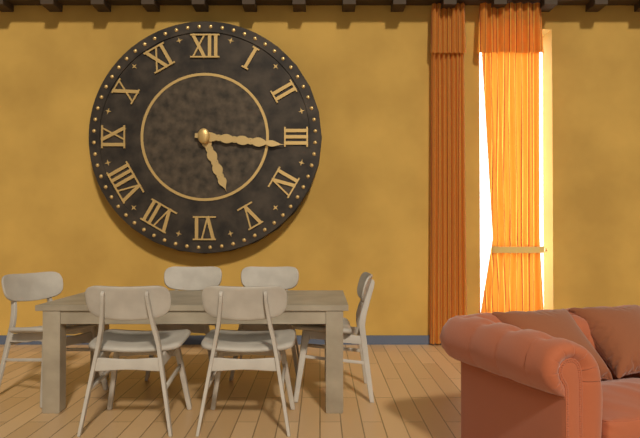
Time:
**5:16**
